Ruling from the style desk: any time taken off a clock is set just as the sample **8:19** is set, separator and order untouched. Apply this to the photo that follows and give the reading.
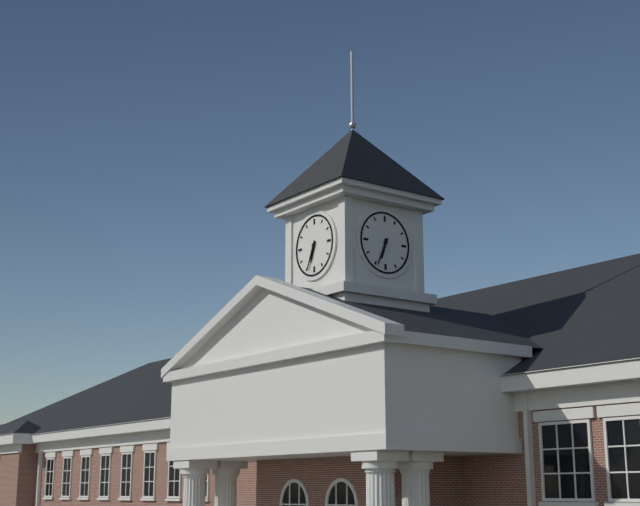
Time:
**6:34**
